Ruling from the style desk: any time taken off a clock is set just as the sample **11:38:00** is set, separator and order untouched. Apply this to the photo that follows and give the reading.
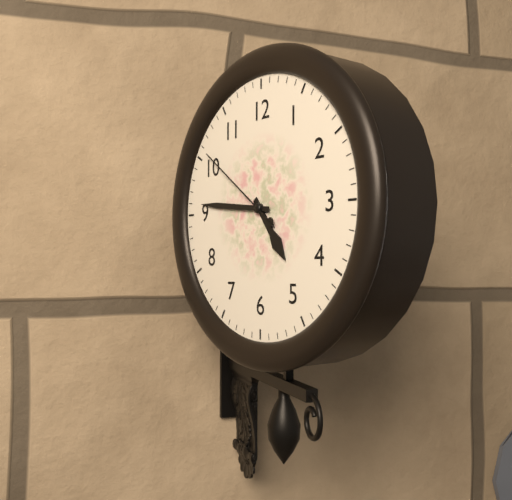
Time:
**4:46:51**
